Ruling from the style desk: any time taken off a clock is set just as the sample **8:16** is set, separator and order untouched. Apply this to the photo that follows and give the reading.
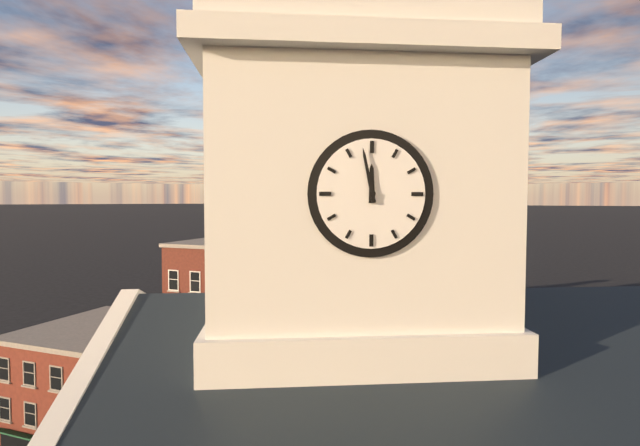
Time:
**11:58**
